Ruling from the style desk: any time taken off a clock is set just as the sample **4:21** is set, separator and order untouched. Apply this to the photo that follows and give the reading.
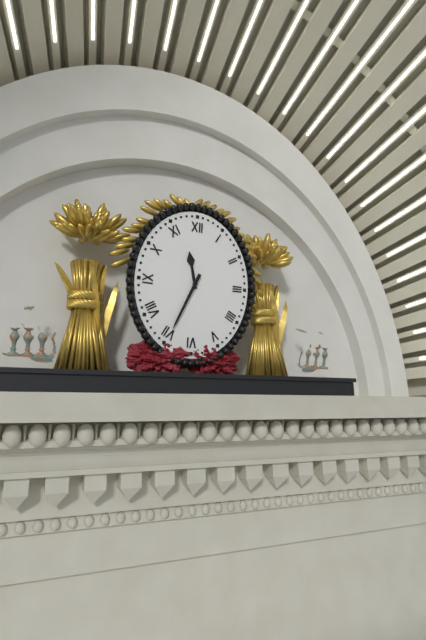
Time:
**11:34**
